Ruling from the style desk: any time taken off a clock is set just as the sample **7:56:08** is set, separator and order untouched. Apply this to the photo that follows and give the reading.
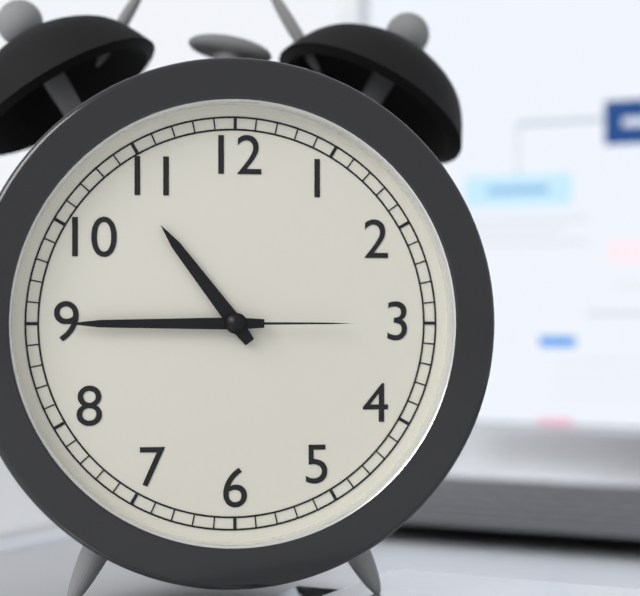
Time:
**10:45:15**
